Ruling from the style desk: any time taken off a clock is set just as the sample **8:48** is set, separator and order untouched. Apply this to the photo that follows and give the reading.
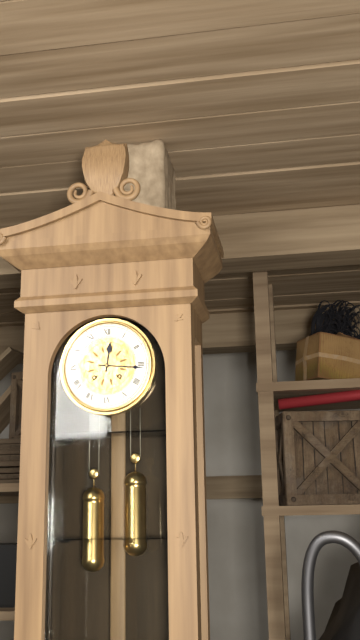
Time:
**12:16**
